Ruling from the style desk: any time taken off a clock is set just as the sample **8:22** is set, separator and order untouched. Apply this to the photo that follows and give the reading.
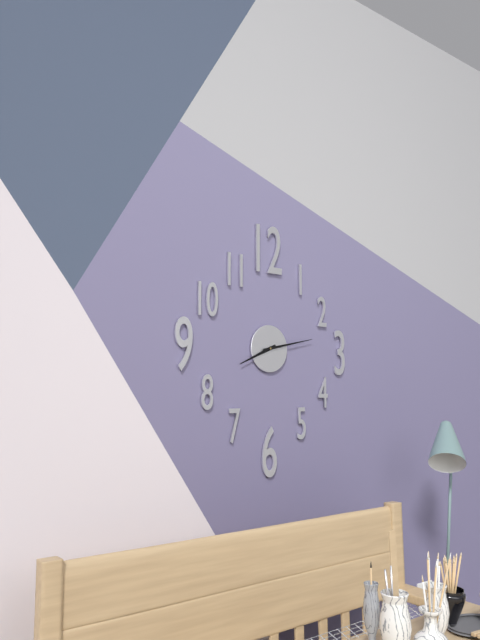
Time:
**8:13**
